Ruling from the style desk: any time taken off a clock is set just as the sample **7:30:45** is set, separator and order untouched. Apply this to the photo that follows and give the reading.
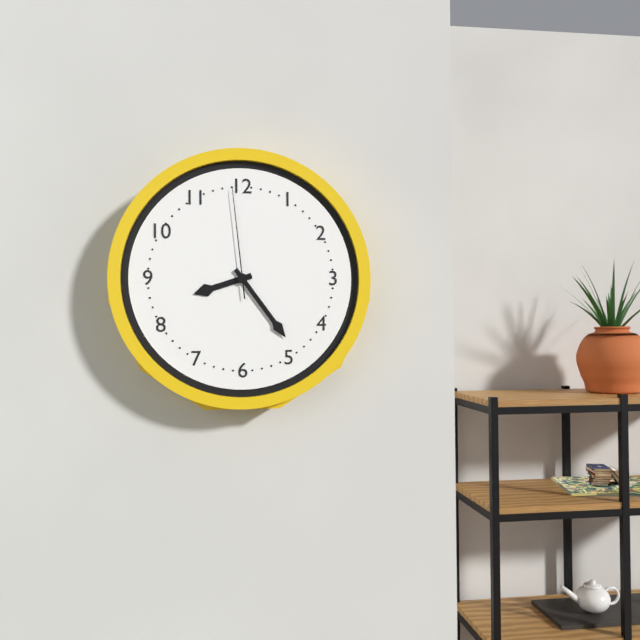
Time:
**8:24:59**
